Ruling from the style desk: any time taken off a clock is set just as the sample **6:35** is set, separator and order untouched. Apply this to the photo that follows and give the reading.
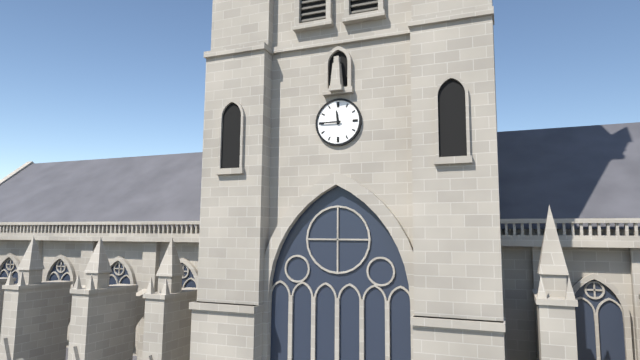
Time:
**11:45**
